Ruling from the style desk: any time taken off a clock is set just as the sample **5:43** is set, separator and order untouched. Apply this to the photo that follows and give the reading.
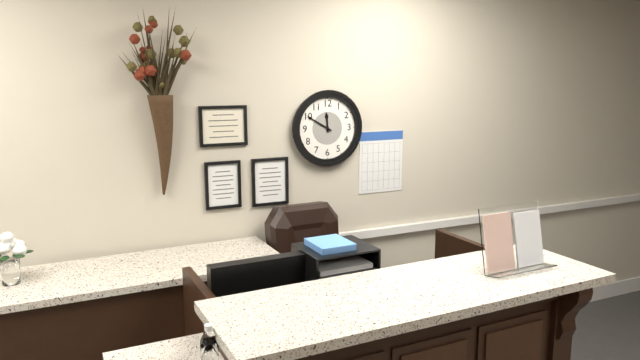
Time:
**11:50**
